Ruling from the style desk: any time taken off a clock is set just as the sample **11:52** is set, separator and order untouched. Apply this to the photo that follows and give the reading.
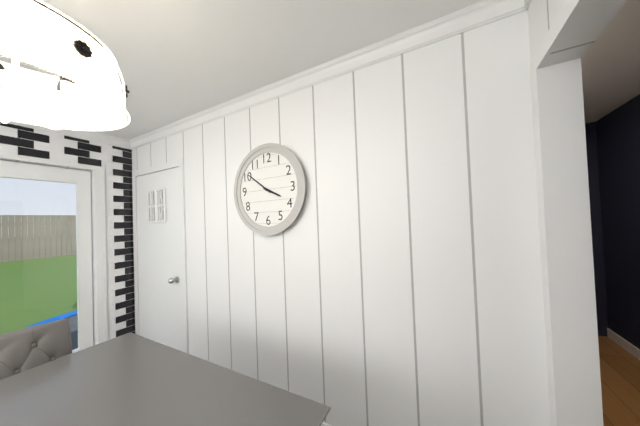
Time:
**3:51**
